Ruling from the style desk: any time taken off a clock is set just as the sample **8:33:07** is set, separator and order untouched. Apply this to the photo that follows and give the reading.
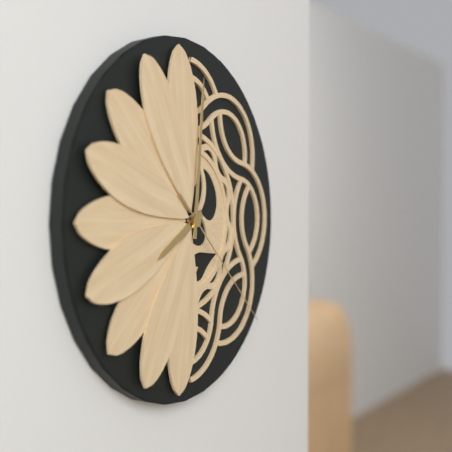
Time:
**8:01:22**
